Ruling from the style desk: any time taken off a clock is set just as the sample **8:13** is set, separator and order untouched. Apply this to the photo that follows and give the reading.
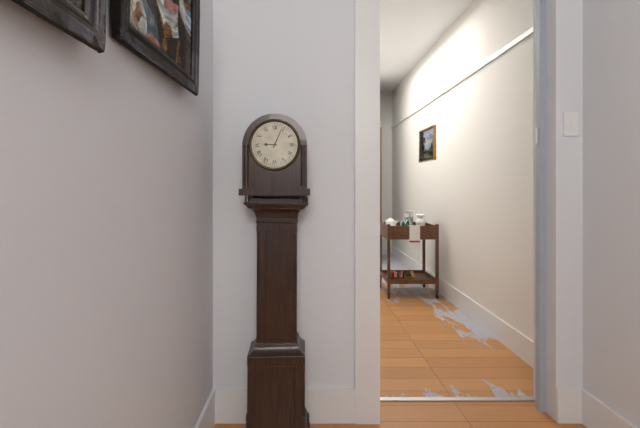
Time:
**9:04**
